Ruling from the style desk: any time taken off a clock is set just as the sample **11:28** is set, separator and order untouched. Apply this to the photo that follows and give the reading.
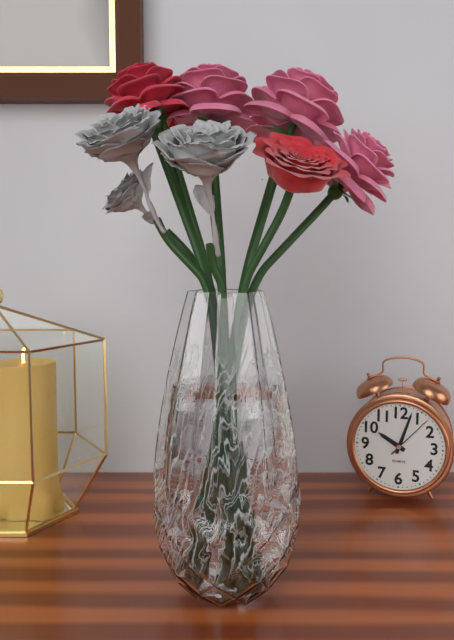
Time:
**10:03**
